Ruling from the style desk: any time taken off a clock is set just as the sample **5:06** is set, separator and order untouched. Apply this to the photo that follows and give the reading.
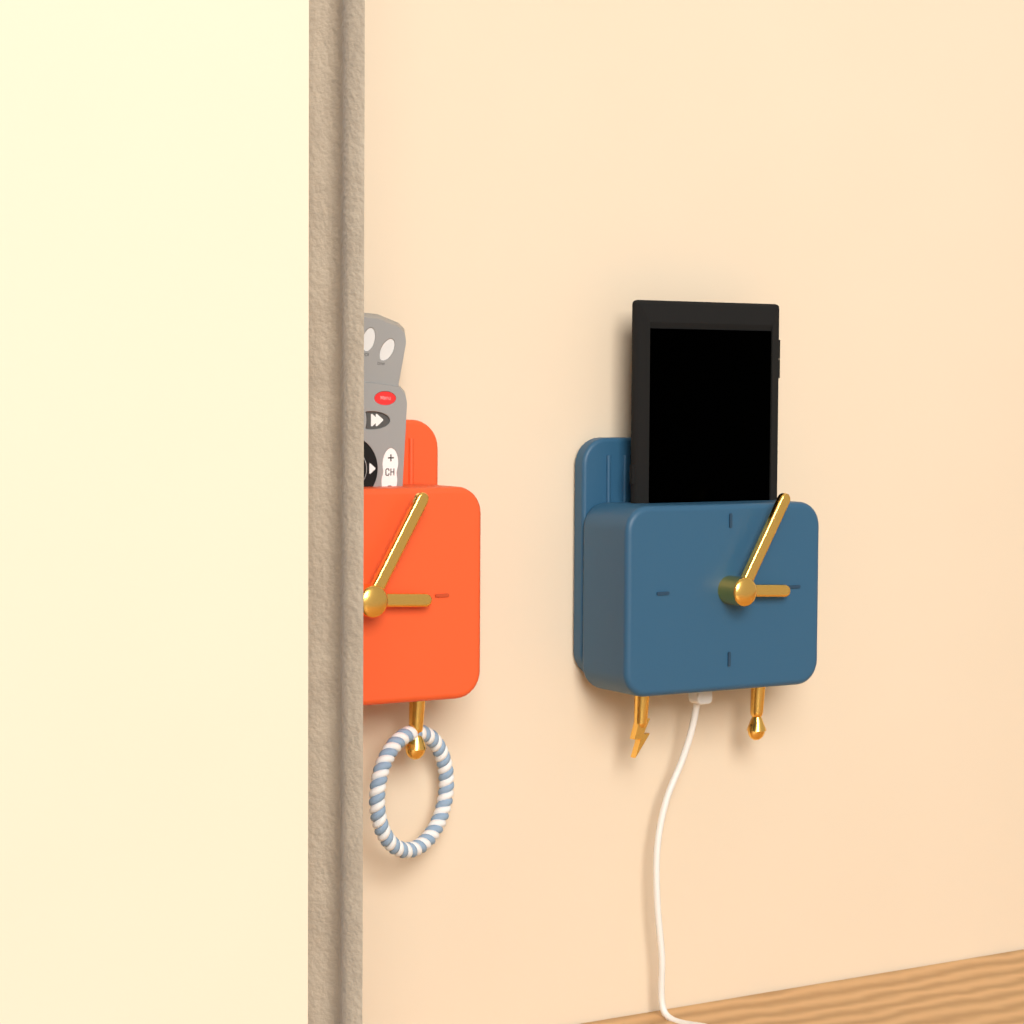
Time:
**3:05**
